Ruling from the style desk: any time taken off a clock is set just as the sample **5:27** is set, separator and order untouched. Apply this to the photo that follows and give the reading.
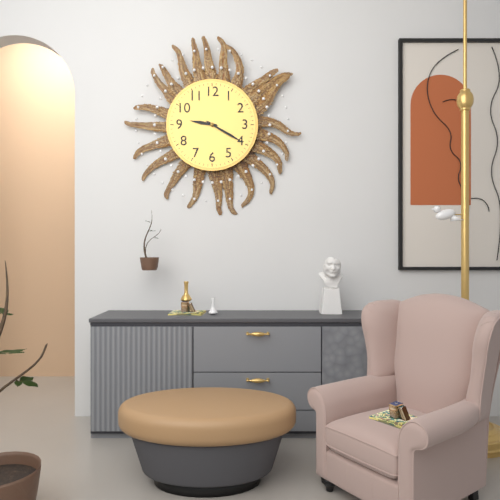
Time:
**9:20**
